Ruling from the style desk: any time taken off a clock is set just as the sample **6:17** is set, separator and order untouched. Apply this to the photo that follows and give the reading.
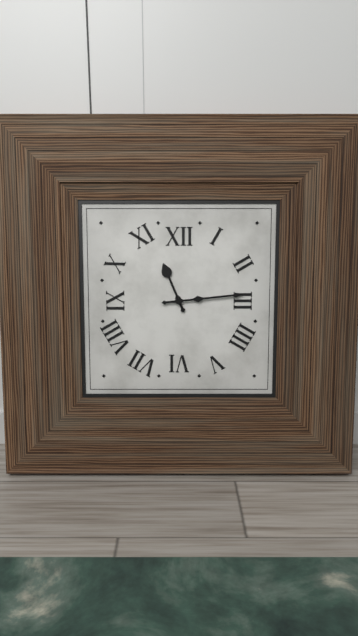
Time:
**11:14**
